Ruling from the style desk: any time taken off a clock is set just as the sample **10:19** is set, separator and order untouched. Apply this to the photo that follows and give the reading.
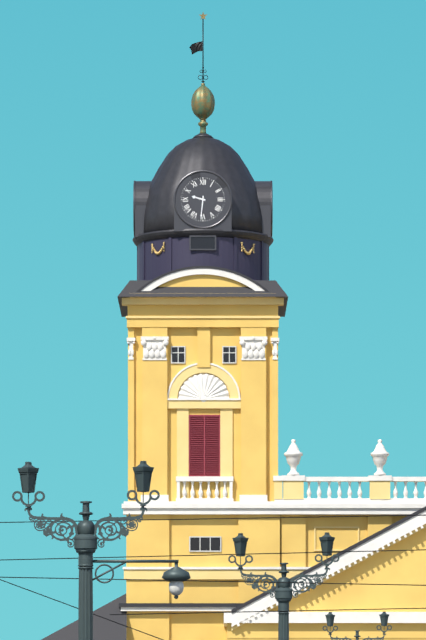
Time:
**9:31**
